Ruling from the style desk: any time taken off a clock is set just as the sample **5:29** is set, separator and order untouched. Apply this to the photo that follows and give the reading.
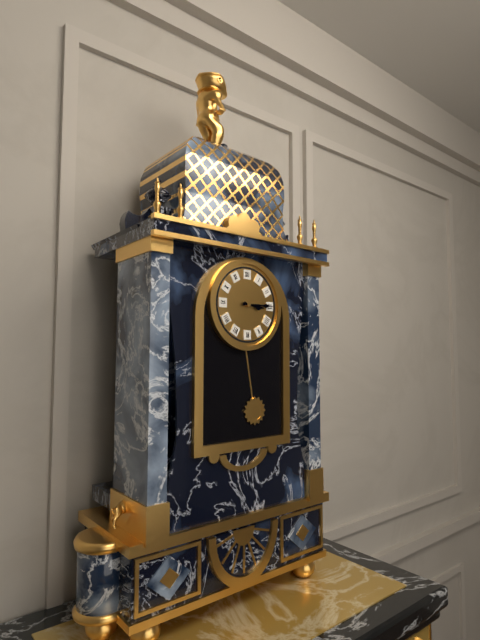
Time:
**3:15**
